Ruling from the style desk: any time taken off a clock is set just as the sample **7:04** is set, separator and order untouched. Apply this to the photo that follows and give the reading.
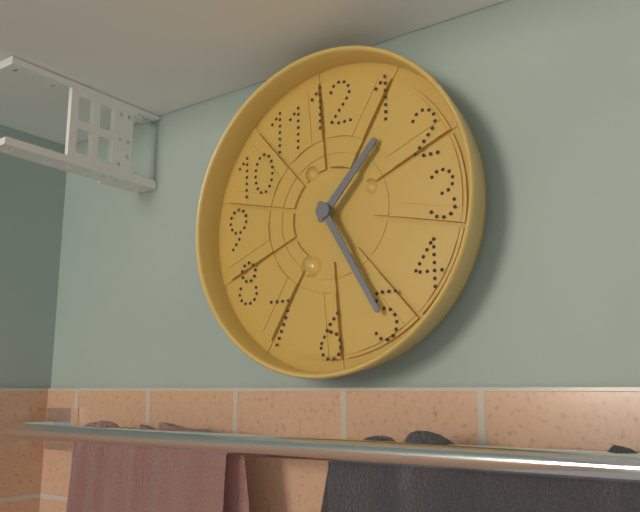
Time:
**1:25**
